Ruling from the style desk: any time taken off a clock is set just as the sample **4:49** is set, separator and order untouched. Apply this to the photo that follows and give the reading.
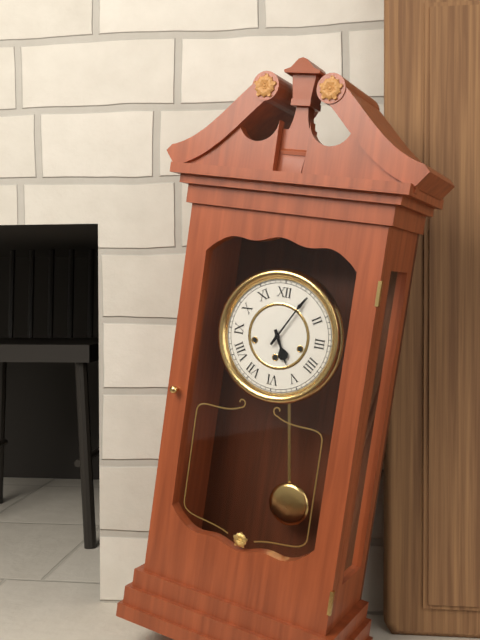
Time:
**5:05**
